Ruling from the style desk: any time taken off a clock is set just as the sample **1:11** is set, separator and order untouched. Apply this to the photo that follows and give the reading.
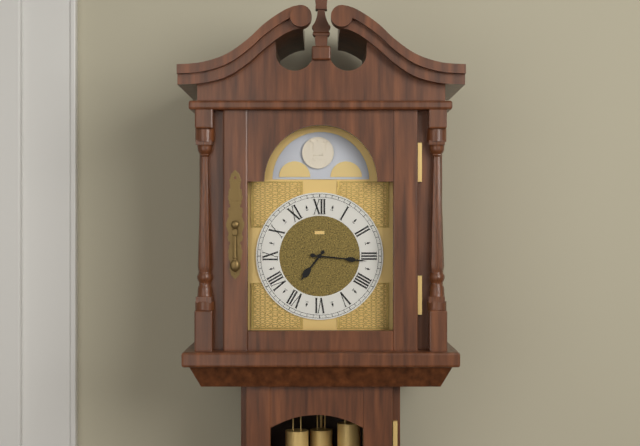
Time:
**7:16**
